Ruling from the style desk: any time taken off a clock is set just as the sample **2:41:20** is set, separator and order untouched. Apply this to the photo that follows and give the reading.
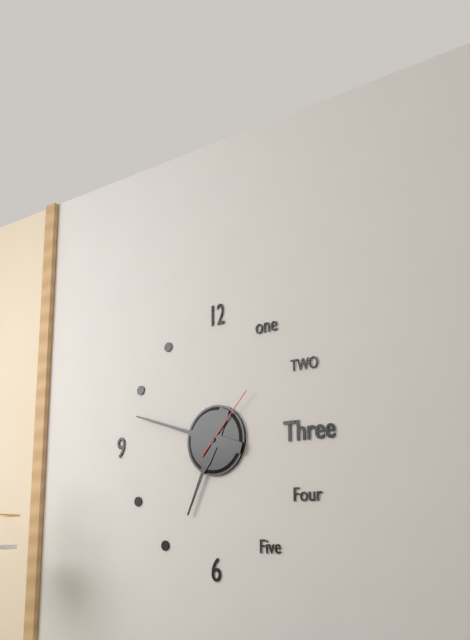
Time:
**6:48:07**
